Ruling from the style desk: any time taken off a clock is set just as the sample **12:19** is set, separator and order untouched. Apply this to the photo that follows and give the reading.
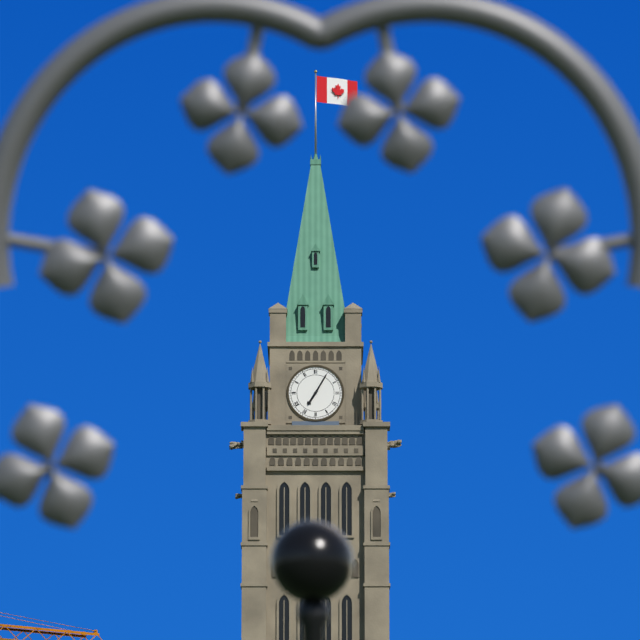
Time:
**7:05**
